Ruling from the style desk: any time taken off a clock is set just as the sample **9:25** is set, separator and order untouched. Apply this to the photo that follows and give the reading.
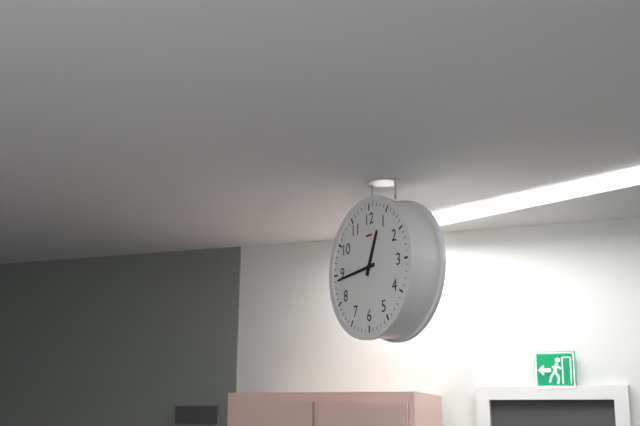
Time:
**12:44**
